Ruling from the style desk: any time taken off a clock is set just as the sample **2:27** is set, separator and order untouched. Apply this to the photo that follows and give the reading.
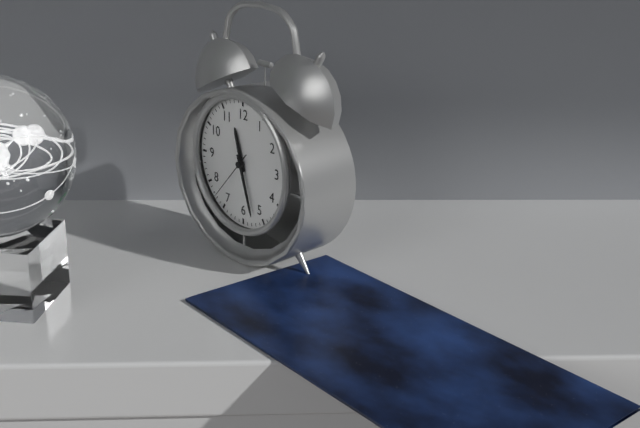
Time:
**11:27**
